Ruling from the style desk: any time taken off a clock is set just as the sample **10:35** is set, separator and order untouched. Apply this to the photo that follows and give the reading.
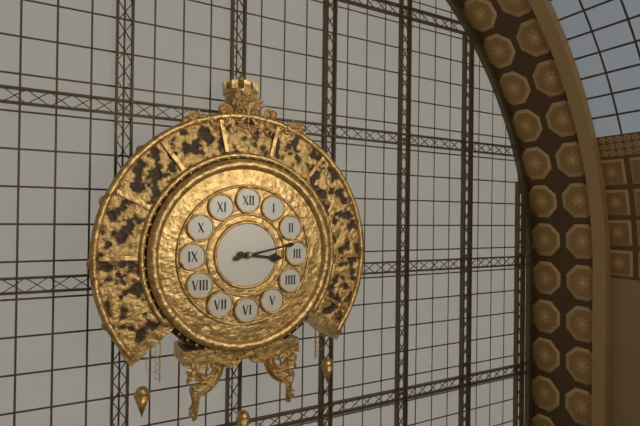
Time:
**3:13**
